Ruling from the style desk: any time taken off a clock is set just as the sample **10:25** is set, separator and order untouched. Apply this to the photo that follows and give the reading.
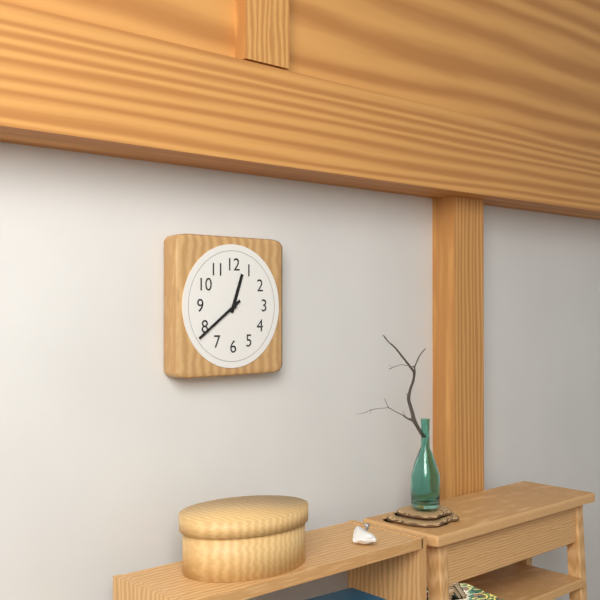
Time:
**12:39**
